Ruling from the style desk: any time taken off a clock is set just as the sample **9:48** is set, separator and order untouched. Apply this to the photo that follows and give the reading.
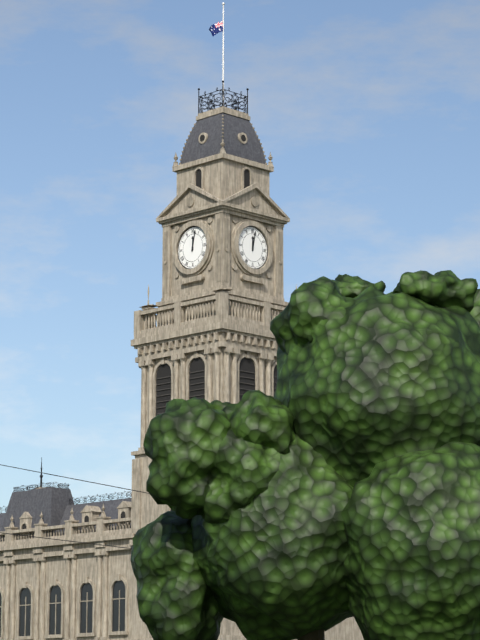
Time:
**12:02**
